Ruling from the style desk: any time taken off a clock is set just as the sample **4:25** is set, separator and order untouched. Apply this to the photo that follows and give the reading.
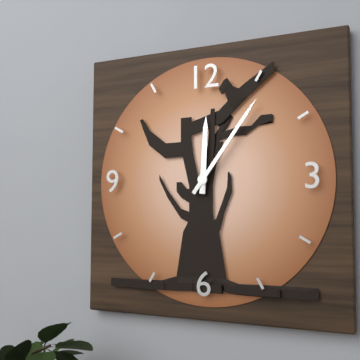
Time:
**12:06**
